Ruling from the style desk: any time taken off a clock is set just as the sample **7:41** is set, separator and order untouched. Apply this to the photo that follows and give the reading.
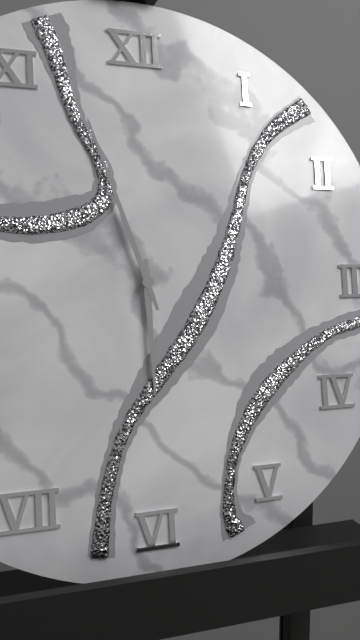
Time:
**5:57**
